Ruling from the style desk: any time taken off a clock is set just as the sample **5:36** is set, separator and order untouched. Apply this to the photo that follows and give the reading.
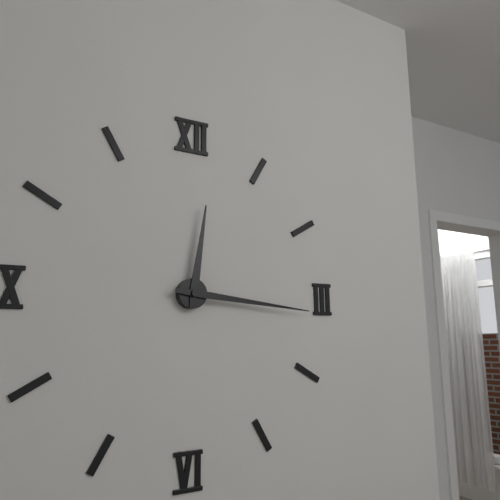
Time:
**12:16**
